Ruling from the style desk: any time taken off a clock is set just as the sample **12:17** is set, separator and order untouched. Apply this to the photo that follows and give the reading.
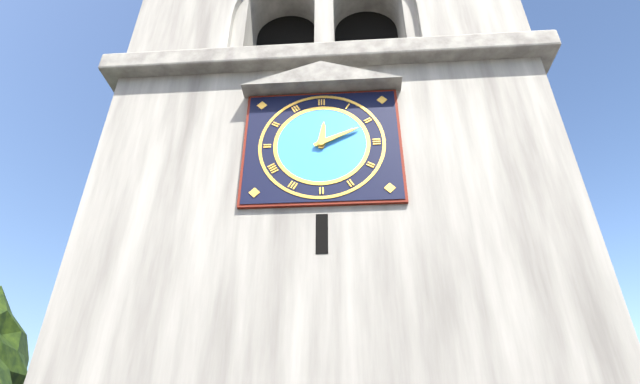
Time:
**12:11**
